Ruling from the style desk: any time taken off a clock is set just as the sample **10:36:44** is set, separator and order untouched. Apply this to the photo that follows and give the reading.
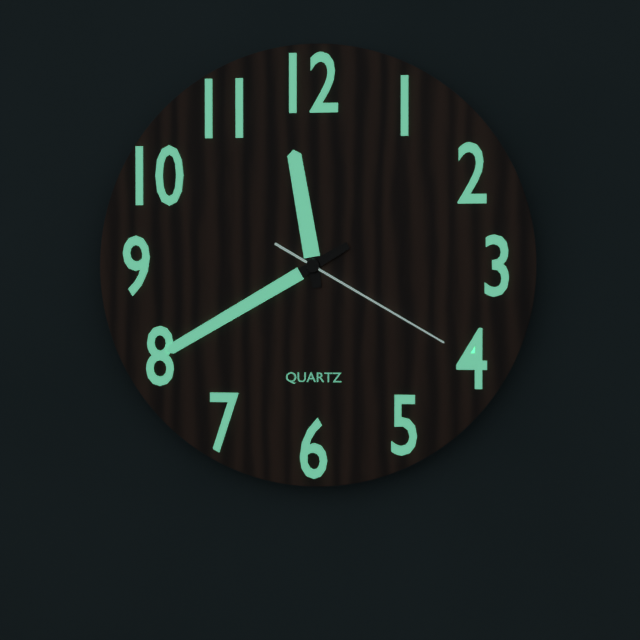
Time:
**11:40:20**
